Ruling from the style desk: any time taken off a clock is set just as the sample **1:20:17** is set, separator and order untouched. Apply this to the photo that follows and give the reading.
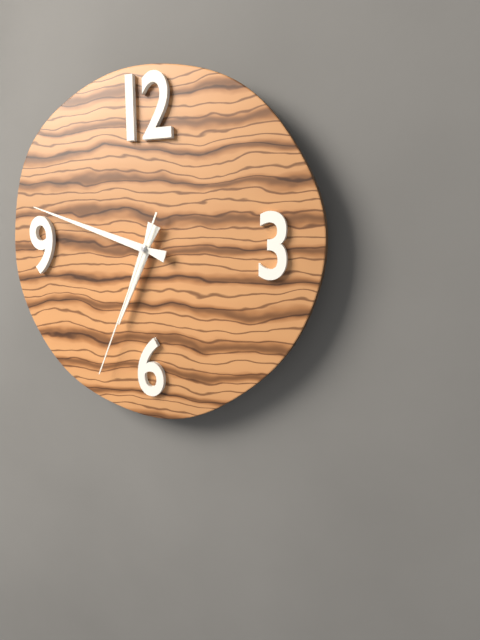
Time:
**6:48:34**
